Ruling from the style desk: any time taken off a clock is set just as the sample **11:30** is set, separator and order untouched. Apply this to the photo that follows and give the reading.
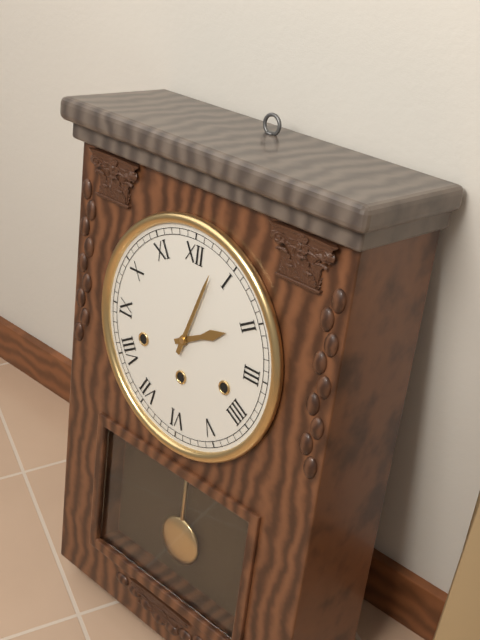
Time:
**2:03**
